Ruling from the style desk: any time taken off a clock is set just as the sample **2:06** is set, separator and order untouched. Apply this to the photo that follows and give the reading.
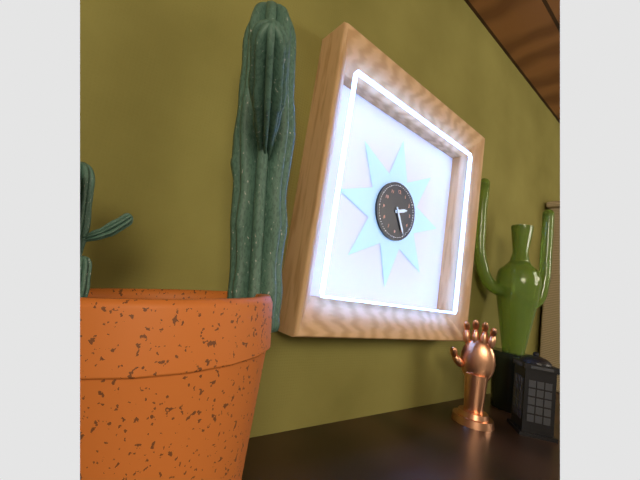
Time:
**2:25**
